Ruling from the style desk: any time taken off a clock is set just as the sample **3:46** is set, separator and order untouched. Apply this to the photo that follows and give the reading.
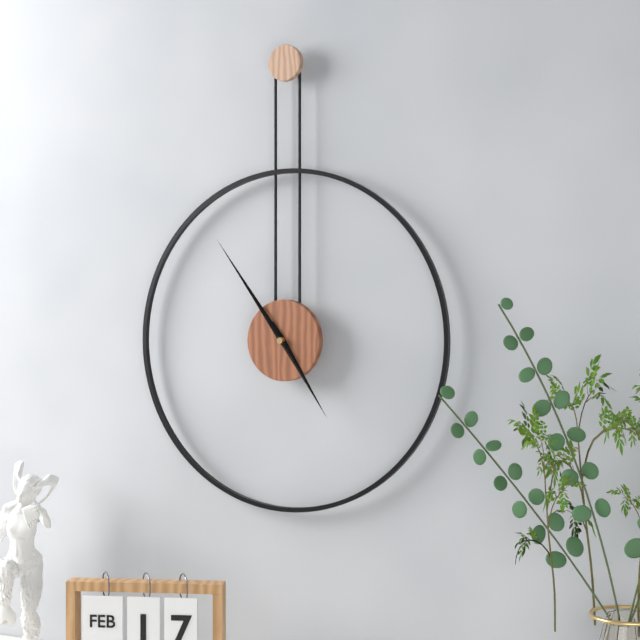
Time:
**4:54**
